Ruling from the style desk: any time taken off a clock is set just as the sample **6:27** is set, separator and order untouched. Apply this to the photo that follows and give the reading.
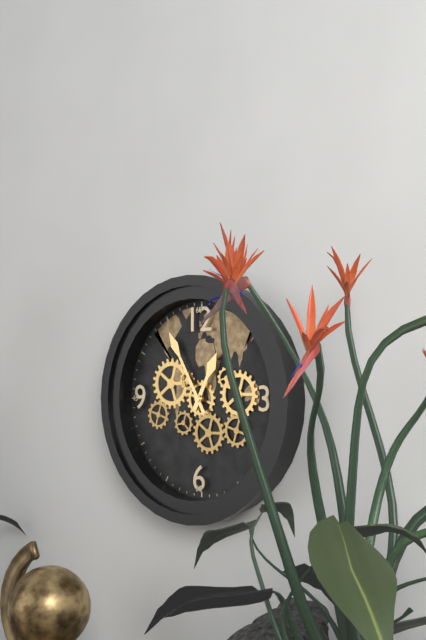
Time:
**12:55**
